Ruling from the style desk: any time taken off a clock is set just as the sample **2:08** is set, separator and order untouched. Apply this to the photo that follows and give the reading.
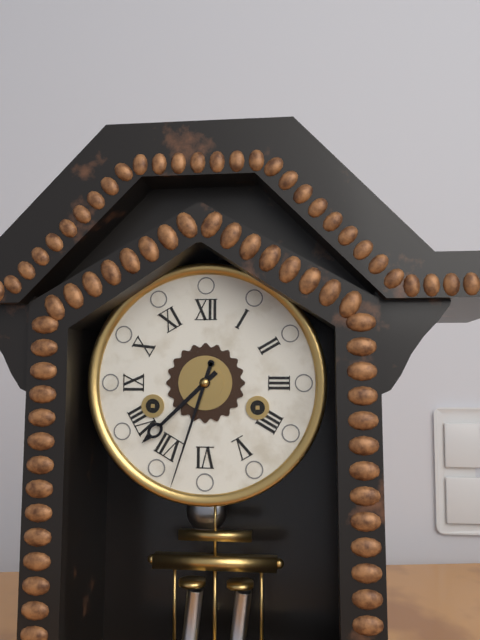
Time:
**7:33**
